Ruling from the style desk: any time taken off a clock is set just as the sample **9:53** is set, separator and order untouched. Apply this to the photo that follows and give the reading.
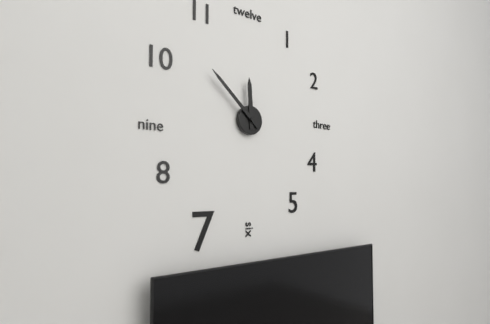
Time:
**11:52**
